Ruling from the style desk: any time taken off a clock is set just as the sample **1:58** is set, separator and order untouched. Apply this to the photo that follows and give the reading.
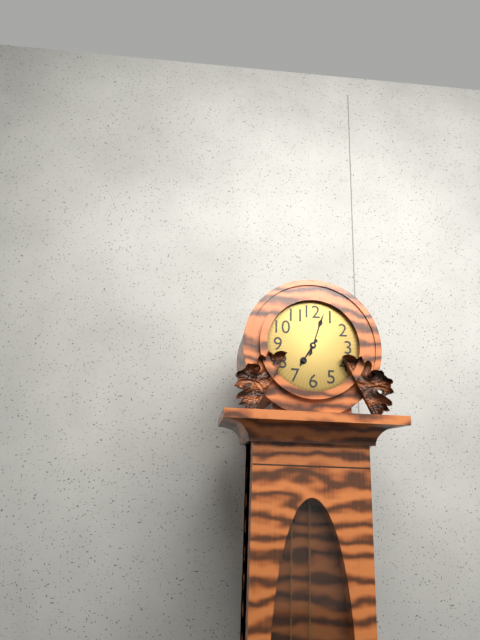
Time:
**7:03**
